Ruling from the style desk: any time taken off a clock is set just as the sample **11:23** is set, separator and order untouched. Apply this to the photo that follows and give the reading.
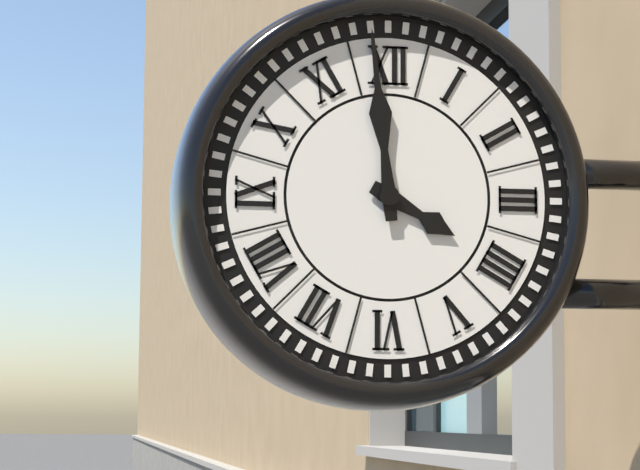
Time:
**3:59**
